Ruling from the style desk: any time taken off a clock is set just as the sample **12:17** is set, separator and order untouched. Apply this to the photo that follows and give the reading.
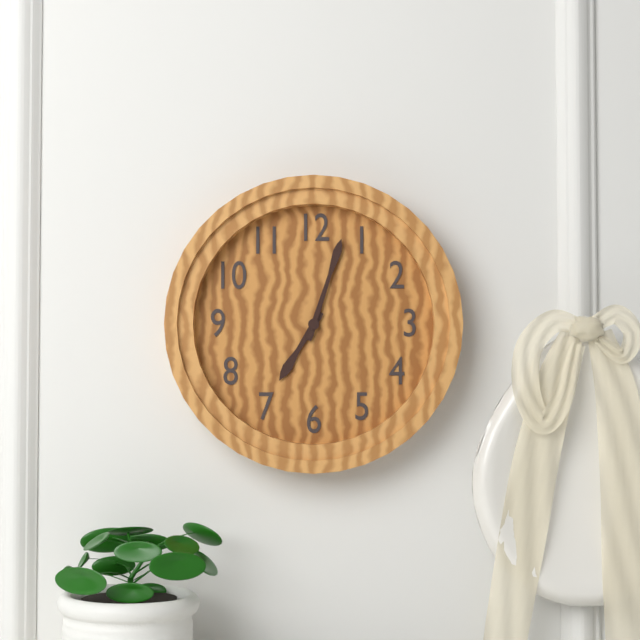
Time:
**7:03**
